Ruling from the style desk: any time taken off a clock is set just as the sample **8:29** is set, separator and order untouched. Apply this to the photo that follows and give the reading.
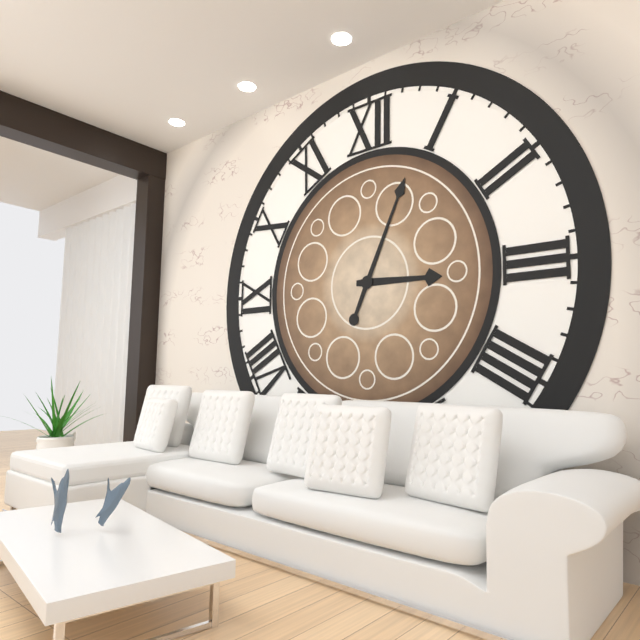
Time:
**3:04**
